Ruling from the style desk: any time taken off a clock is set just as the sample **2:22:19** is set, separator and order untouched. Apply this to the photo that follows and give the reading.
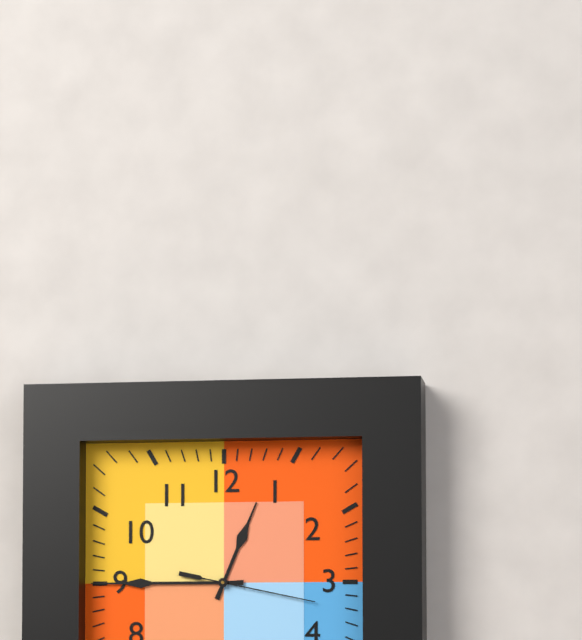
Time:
**12:45:17**
